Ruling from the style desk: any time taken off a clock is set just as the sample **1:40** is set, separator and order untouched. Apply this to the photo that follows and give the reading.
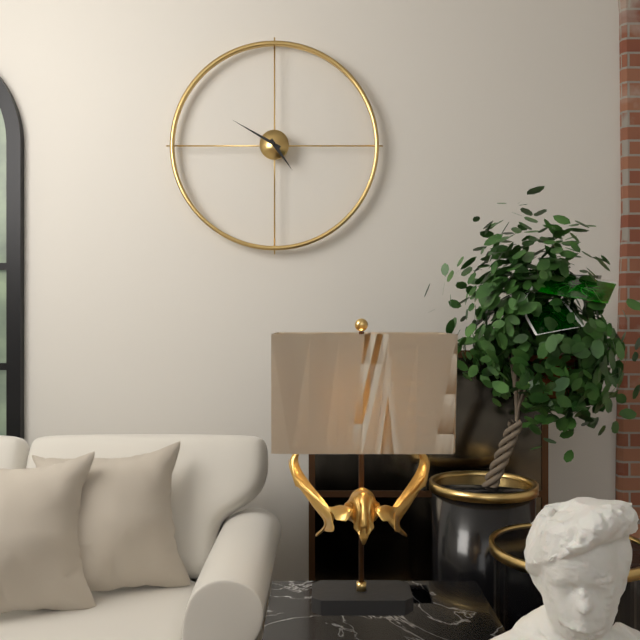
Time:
**4:50**
